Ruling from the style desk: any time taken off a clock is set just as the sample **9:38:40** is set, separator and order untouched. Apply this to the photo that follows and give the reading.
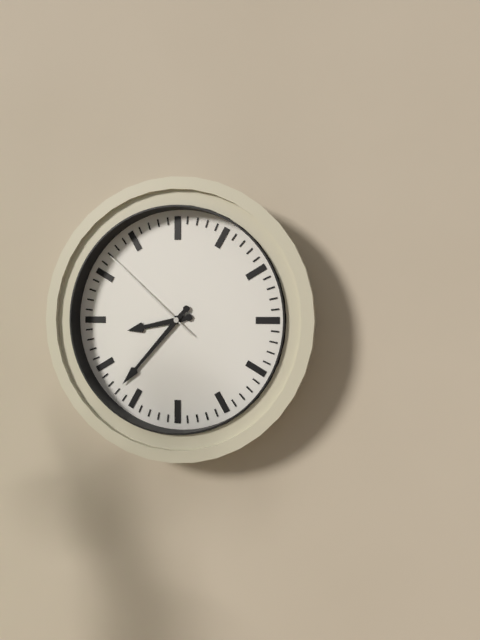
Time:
**8:37:52**
